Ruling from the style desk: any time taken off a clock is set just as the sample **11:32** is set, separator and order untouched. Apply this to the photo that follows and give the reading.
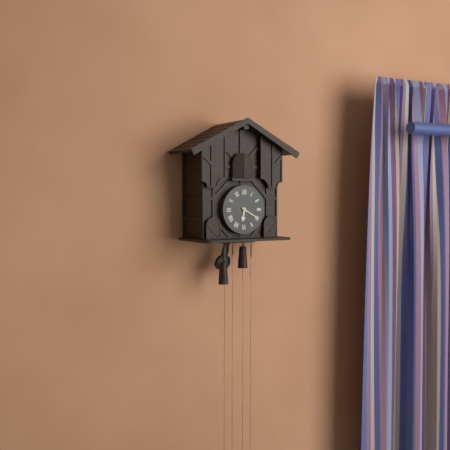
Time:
**6:20**
